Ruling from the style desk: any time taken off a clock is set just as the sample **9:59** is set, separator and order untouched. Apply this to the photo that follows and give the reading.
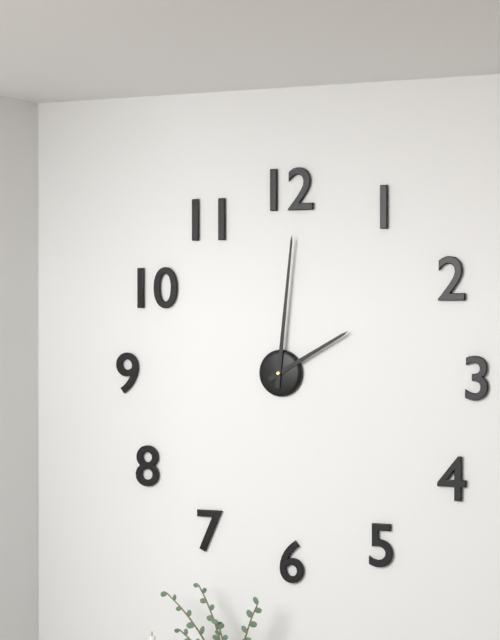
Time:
**2:01**
